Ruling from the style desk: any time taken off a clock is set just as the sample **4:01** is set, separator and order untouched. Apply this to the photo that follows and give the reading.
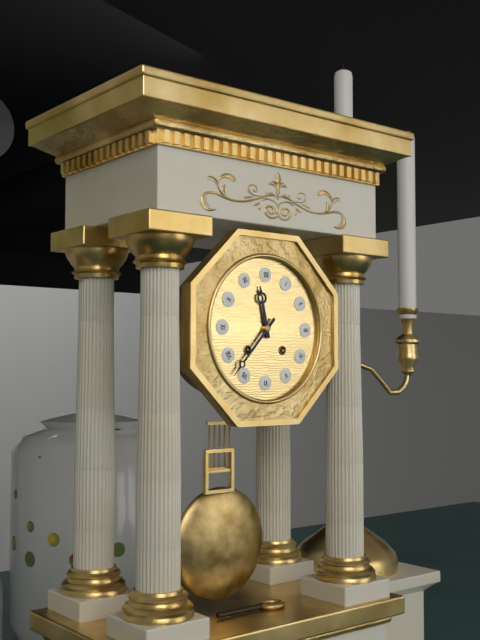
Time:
**11:37**
